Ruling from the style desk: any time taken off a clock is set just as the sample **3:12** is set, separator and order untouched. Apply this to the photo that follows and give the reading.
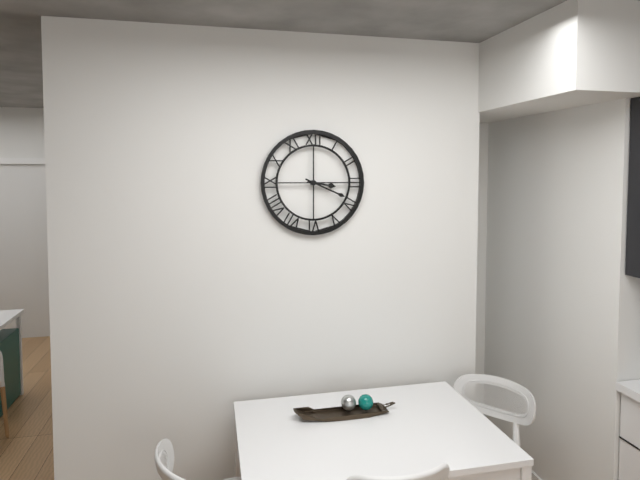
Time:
**3:19**
